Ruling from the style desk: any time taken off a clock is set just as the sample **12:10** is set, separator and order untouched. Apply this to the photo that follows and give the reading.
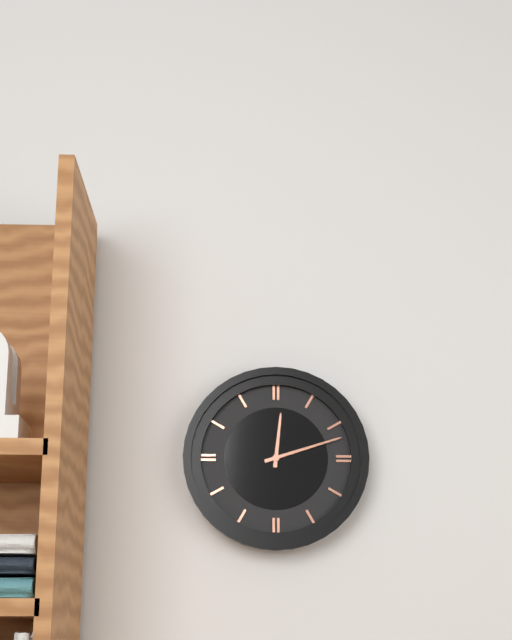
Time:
**12:12**
